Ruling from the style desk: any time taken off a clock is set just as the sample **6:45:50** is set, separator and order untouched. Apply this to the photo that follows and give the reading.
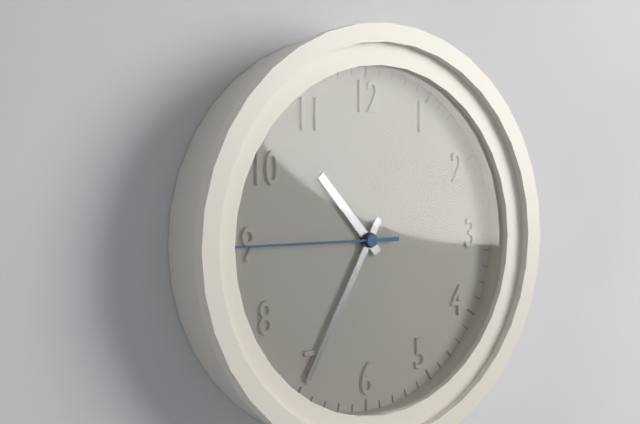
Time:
**10:35:45**
